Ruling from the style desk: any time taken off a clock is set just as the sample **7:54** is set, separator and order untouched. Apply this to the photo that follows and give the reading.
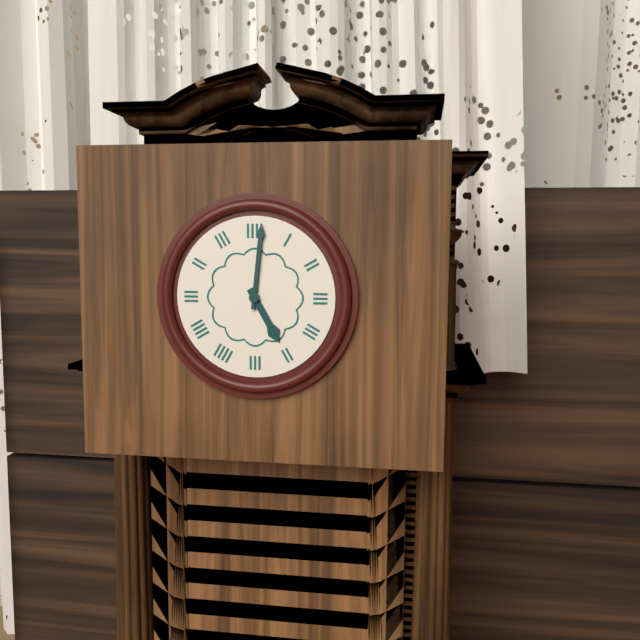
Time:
**5:01**
